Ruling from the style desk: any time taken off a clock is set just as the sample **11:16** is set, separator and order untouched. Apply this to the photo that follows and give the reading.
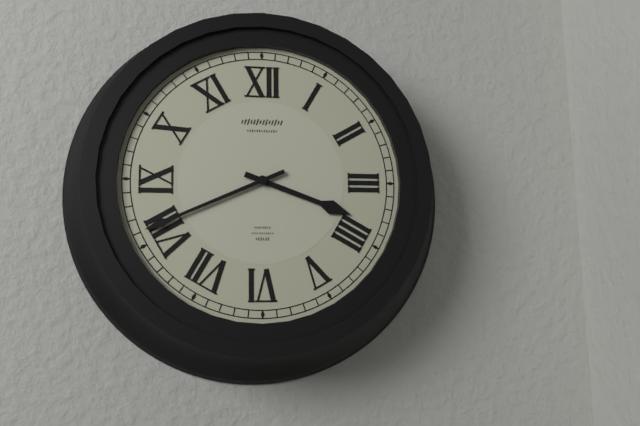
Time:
**3:41**
